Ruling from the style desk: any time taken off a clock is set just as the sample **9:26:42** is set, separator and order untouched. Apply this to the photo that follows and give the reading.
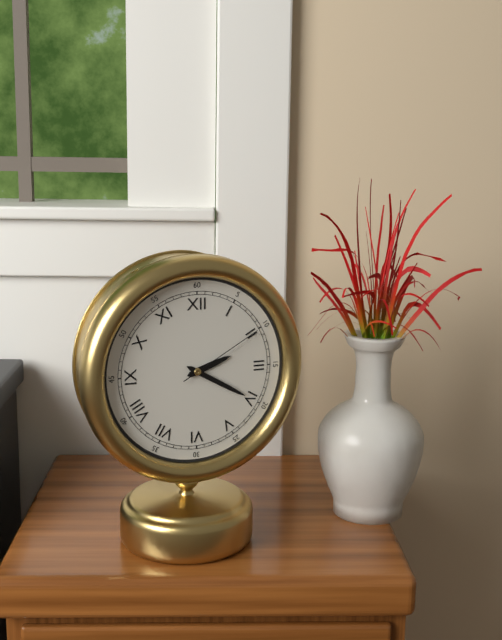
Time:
**2:20:10**
